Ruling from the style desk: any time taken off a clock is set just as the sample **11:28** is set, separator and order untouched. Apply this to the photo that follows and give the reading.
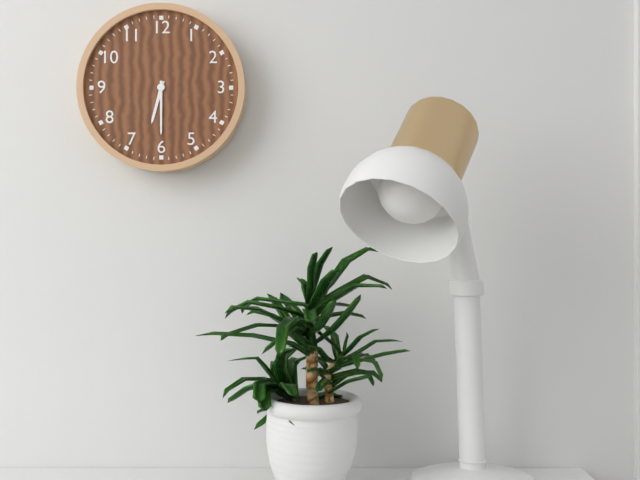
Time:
**6:30**
